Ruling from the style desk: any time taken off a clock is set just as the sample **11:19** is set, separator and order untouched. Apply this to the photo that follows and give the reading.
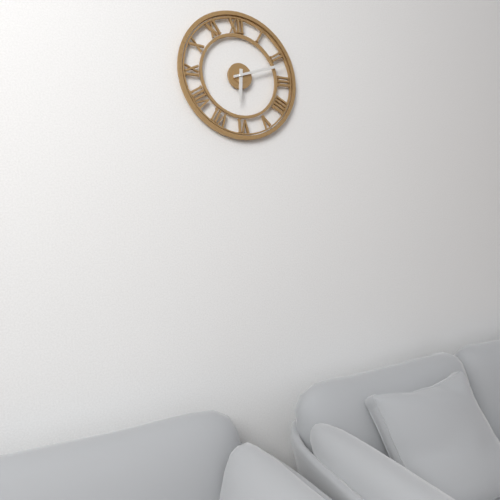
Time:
**6:12**
